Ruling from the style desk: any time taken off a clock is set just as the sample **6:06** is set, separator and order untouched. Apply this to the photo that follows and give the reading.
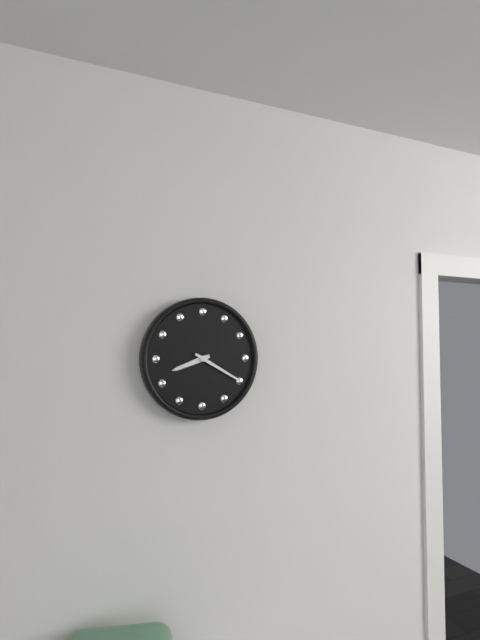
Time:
**8:20**
